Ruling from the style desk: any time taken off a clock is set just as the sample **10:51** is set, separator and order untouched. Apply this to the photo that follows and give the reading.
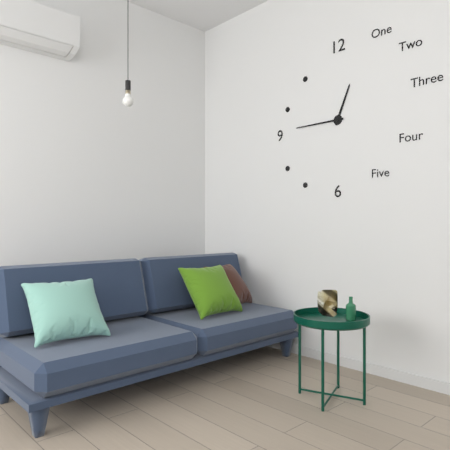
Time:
**12:45**
